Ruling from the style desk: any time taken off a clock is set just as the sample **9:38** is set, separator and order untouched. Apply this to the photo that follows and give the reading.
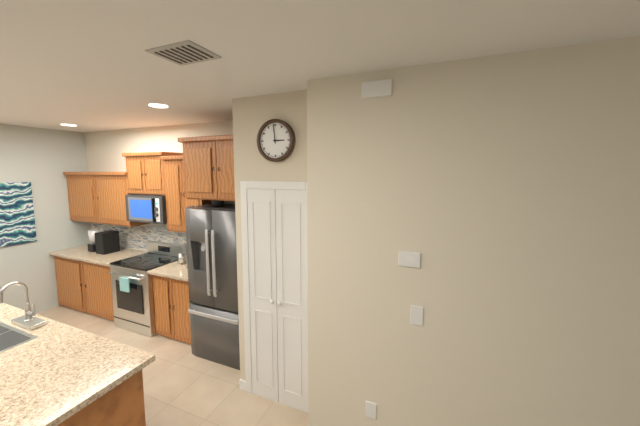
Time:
**2:59**
